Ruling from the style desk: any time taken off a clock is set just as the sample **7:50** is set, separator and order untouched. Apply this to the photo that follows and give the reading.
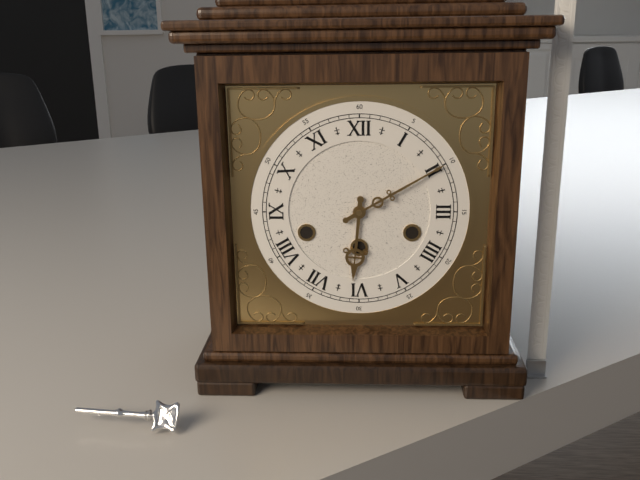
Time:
**6:10**
